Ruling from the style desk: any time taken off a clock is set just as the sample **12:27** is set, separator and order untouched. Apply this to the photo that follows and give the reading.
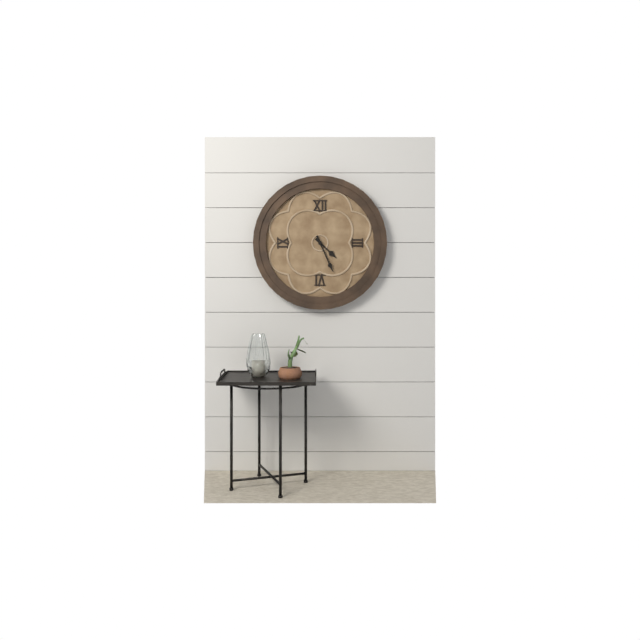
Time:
**4:26**
